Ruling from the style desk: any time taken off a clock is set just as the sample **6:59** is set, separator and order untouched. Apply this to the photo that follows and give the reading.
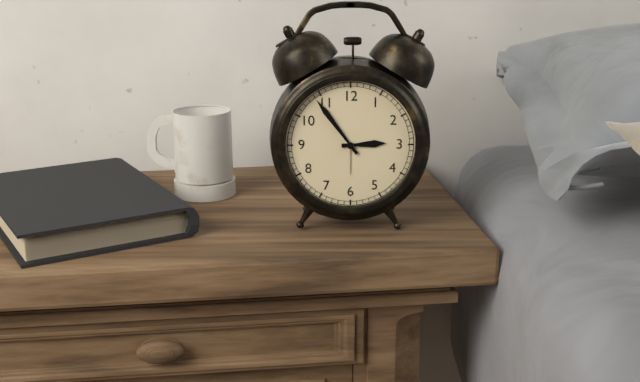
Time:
**2:54**
